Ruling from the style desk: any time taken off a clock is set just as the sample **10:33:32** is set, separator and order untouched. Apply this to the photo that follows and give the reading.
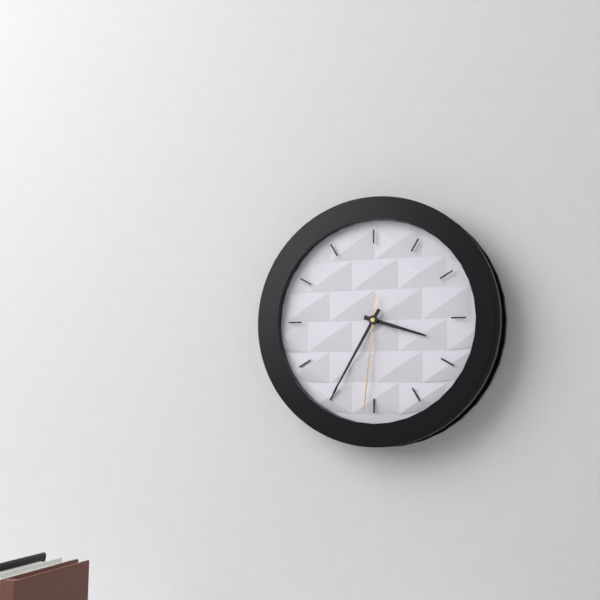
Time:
**3:35:31**
